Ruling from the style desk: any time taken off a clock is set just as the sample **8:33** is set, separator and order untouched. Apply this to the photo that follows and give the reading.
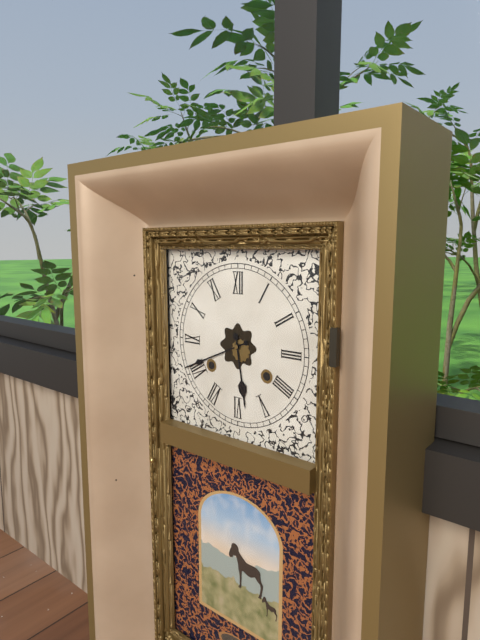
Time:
**5:41**
